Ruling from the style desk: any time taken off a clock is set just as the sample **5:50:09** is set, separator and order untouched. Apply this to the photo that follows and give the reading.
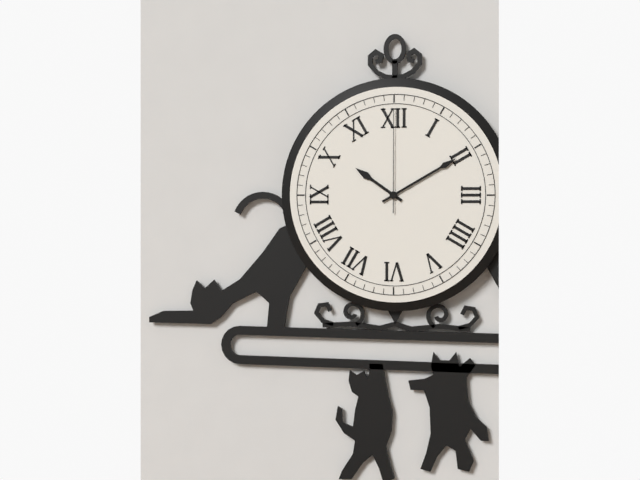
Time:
**10:10:00**
